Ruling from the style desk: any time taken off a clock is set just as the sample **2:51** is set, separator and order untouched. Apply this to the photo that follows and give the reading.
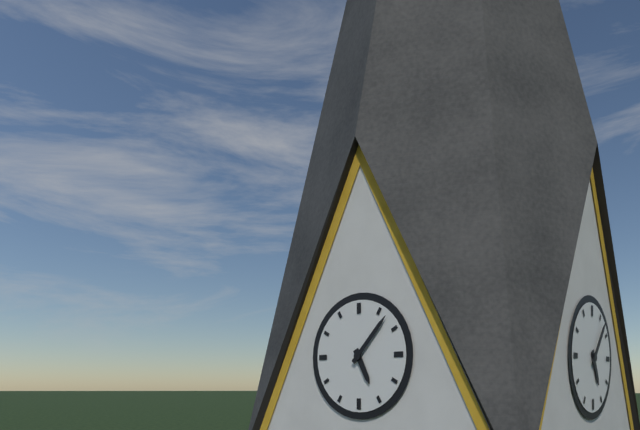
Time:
**5:07**
